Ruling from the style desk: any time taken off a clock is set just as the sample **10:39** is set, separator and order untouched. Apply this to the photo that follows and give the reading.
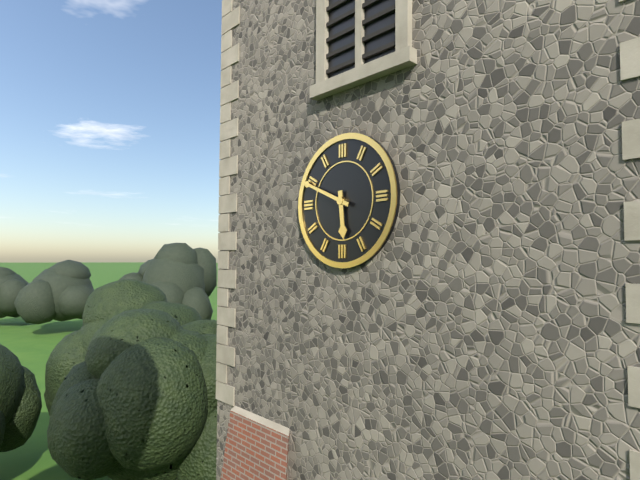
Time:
**5:49**
